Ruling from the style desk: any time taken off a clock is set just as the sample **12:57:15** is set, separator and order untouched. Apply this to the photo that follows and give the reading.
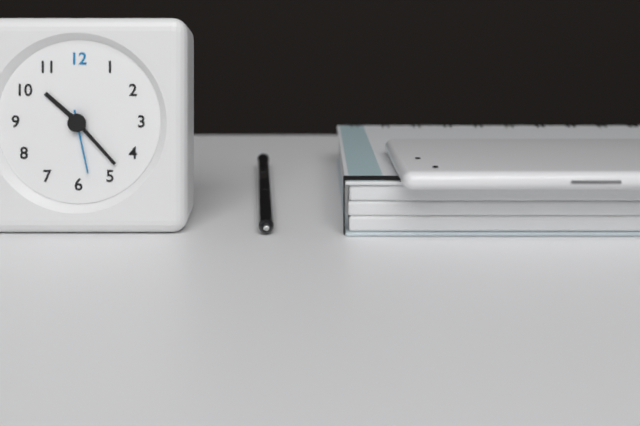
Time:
**10:23:28**
